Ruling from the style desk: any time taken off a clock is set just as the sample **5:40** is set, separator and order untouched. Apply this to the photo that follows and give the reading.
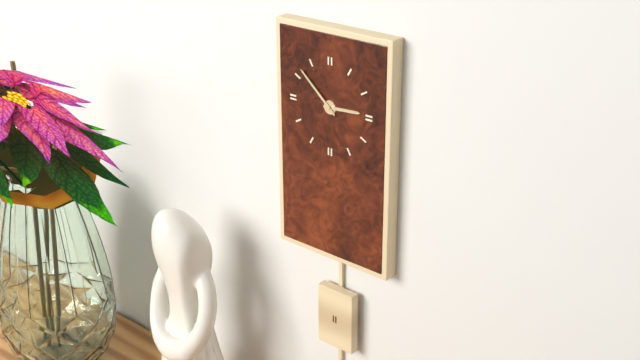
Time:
**2:52**
